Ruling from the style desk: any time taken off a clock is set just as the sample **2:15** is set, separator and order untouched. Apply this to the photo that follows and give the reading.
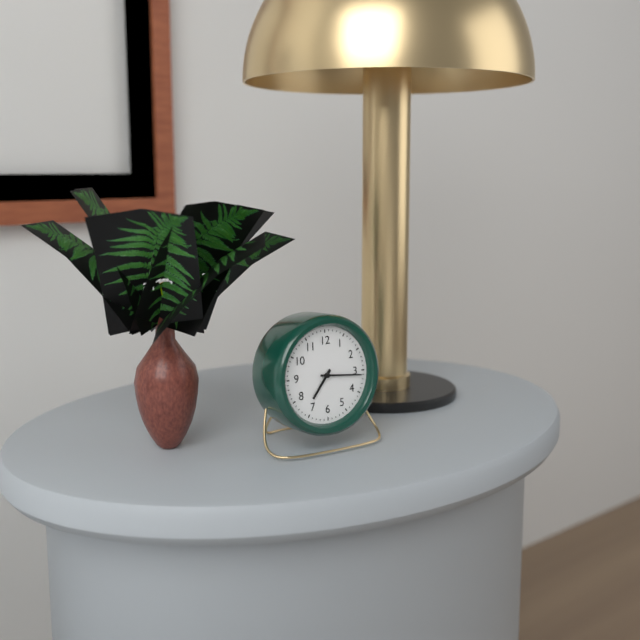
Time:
**7:16**
